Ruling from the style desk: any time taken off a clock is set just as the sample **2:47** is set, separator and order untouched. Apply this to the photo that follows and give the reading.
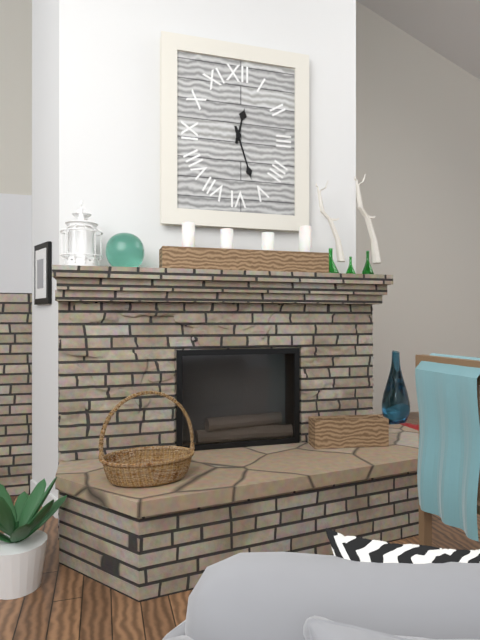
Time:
**12:27**
